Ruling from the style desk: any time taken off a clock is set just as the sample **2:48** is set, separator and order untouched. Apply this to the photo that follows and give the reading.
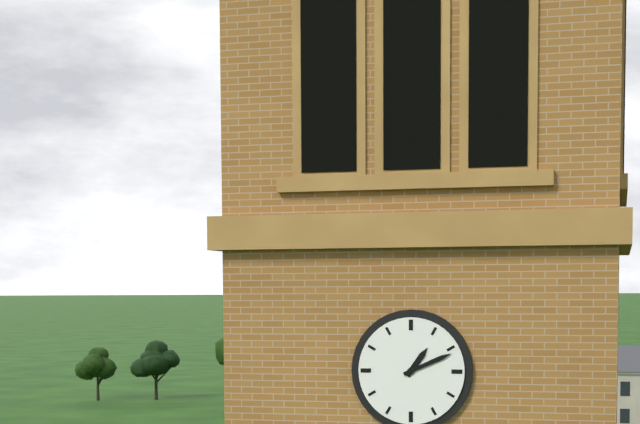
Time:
**1:11**
